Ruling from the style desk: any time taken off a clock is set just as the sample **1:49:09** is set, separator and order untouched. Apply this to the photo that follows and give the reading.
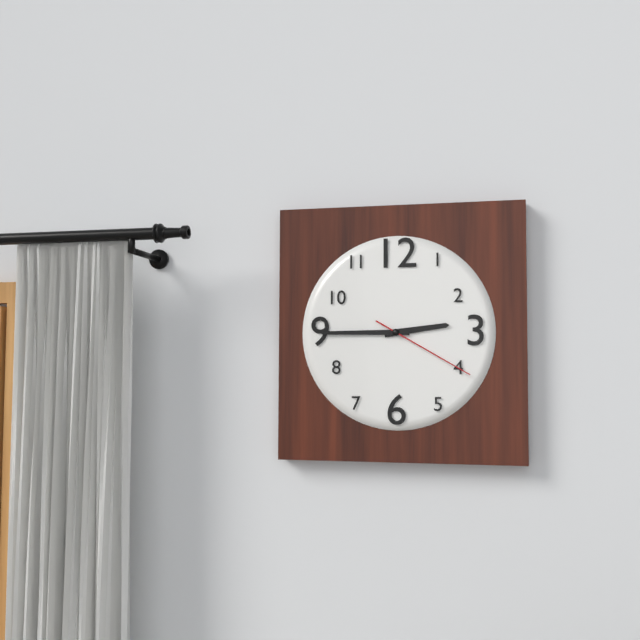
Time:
**2:45:20**
